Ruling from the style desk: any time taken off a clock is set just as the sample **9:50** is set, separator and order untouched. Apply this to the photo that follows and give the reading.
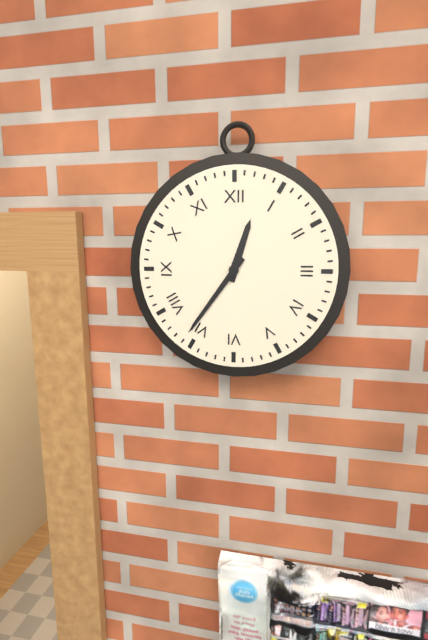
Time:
**12:36**
